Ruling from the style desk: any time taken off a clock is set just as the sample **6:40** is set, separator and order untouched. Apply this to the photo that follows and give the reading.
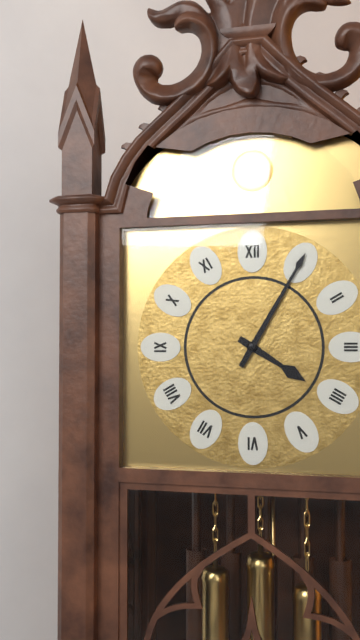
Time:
**4:05**
